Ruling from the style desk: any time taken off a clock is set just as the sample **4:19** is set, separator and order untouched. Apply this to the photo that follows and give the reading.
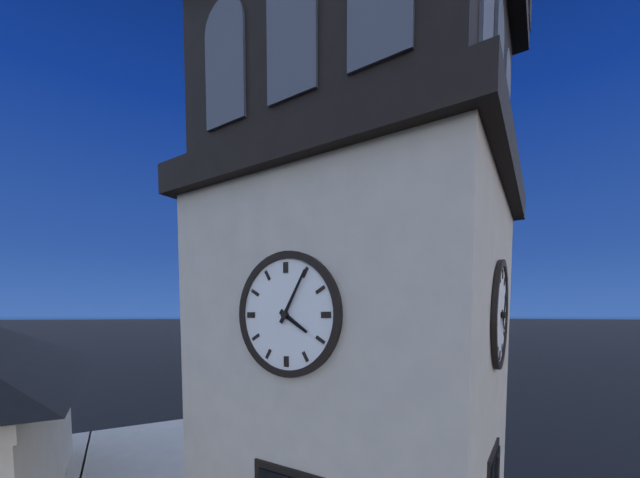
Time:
**4:05**
